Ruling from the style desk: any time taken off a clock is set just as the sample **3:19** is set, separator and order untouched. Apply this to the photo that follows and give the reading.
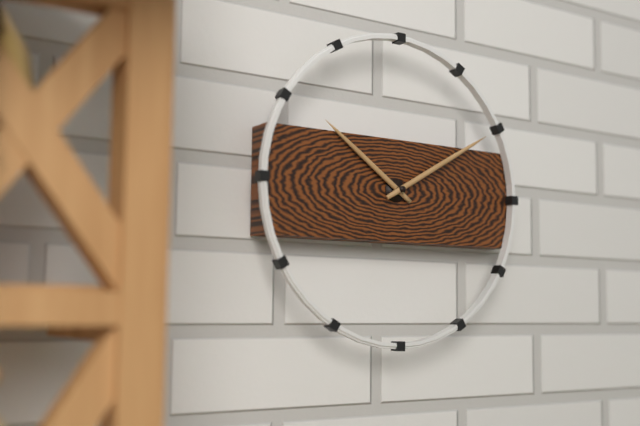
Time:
**10:10**
